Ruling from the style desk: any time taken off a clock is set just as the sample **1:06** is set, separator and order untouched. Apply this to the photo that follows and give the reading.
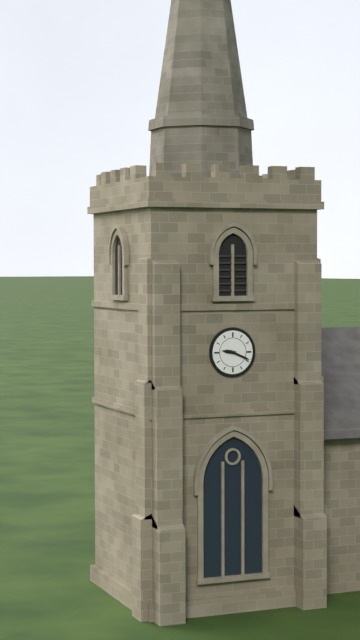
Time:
**9:19**
